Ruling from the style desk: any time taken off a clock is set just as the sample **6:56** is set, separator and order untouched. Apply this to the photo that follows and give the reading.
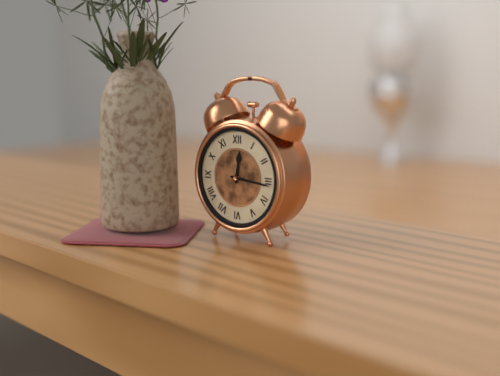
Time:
**12:16**
